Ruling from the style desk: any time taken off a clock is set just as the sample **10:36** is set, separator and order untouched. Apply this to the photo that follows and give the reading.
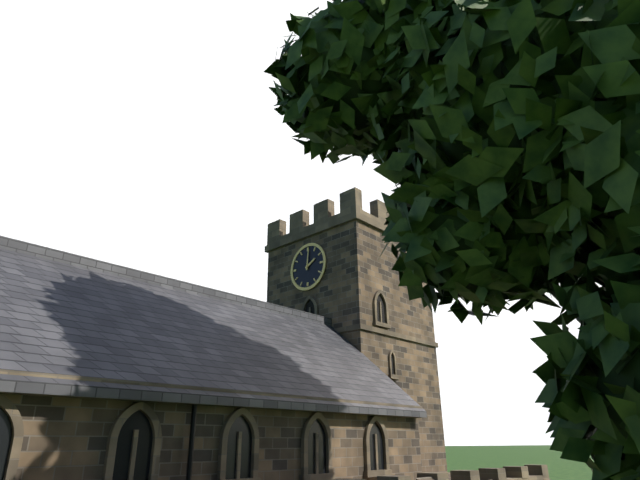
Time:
**2:01**
